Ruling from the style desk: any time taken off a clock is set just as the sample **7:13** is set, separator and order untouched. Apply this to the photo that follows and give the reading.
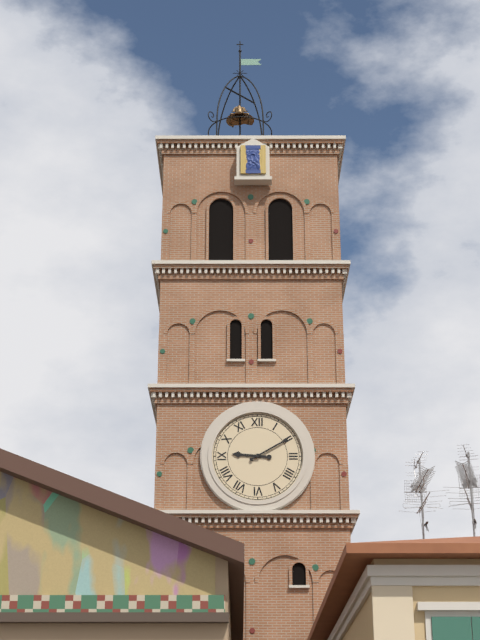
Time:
**9:10**
